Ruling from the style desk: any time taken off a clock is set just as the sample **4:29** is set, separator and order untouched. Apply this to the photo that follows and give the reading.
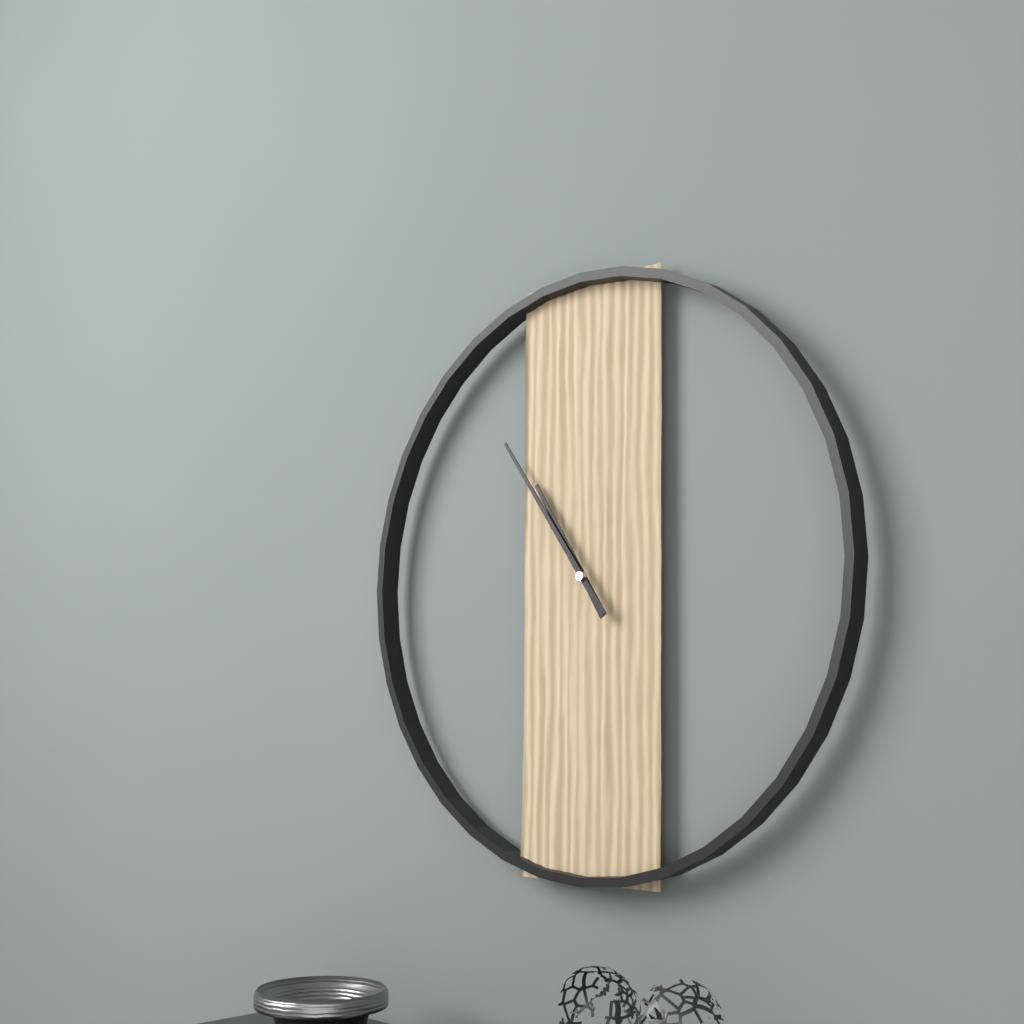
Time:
**10:54**
